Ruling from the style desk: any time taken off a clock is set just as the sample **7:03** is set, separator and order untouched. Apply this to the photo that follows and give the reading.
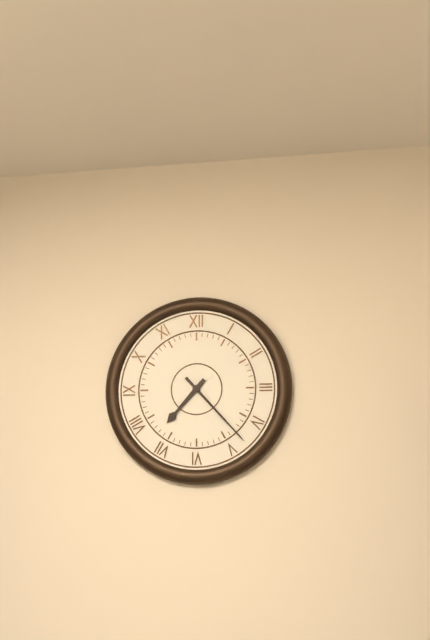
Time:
**7:23**
